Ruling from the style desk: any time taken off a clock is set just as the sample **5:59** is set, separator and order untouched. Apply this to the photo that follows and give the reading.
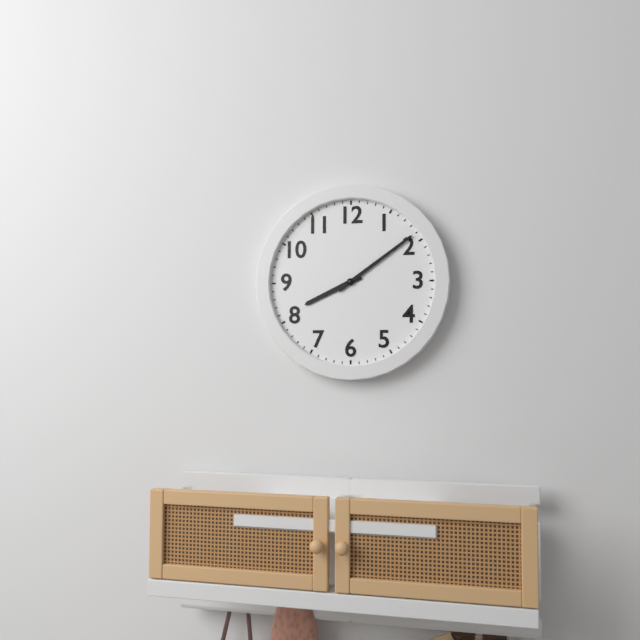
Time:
**8:09**
